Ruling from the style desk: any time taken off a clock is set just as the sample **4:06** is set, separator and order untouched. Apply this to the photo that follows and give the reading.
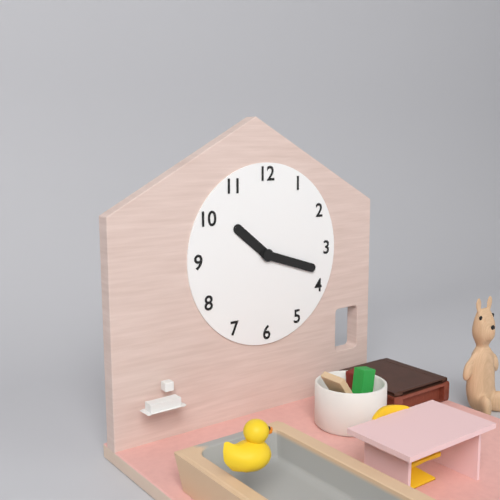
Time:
**10:18**
